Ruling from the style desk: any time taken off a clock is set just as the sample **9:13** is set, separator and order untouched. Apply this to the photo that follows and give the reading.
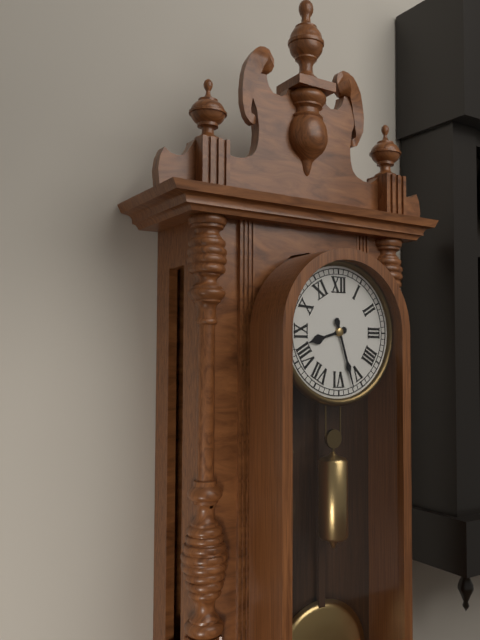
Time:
**8:27**
